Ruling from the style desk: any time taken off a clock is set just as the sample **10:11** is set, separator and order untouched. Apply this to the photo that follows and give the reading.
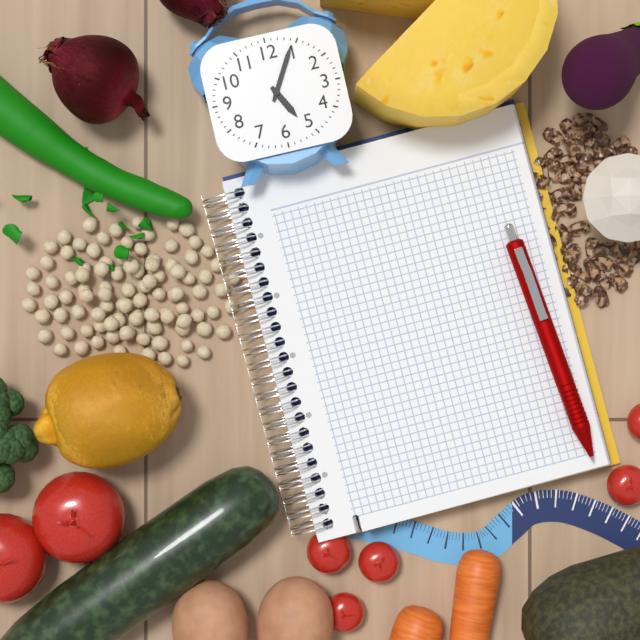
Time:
**5:05**
